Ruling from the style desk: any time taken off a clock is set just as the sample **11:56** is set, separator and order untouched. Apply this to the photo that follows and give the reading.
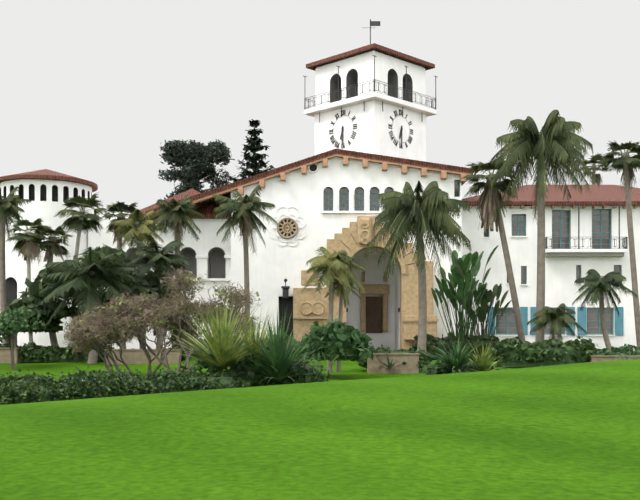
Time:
**6:30**
